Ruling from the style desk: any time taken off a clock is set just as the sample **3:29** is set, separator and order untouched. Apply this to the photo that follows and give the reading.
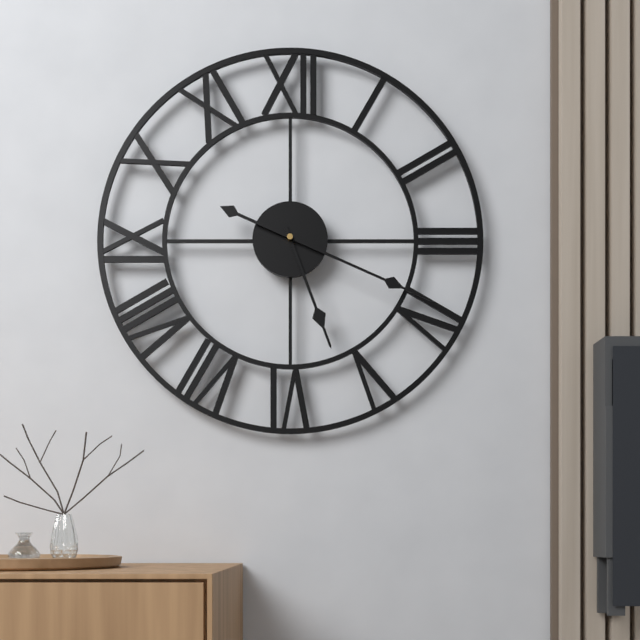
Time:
**5:19**
